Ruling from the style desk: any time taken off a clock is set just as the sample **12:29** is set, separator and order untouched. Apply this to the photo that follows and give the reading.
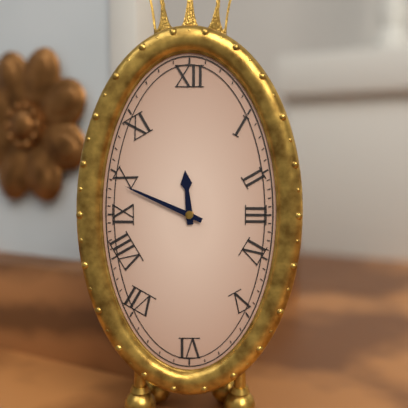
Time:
**11:49**
